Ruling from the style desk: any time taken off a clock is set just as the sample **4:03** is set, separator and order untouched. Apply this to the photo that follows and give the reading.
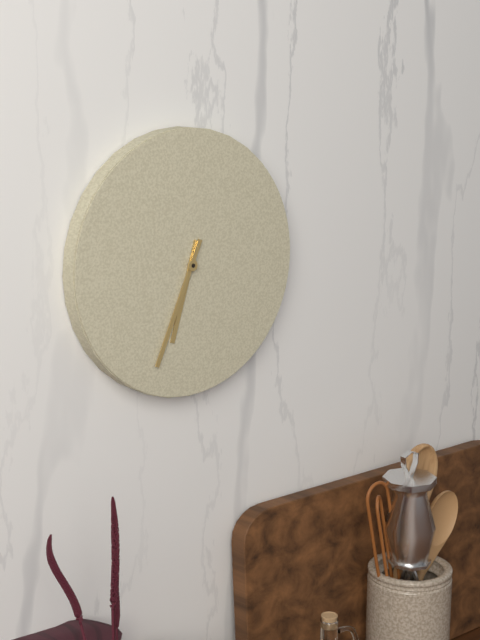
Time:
**6:34**
